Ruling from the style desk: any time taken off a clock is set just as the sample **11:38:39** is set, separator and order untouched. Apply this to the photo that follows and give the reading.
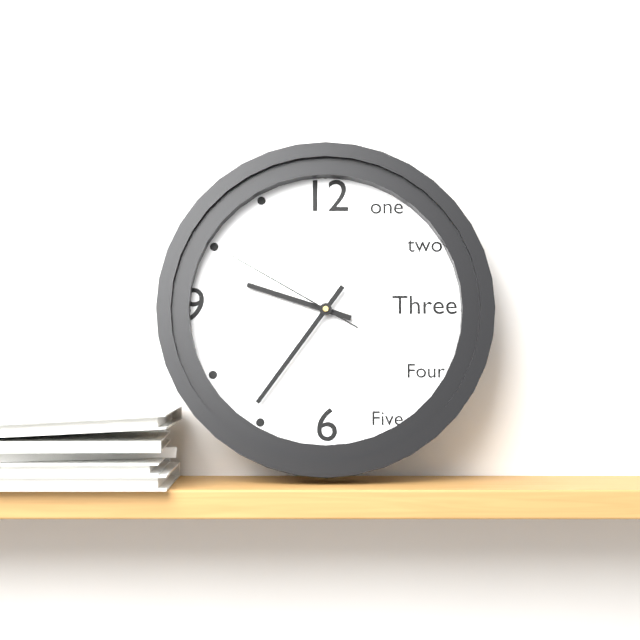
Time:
**9:36:50**
